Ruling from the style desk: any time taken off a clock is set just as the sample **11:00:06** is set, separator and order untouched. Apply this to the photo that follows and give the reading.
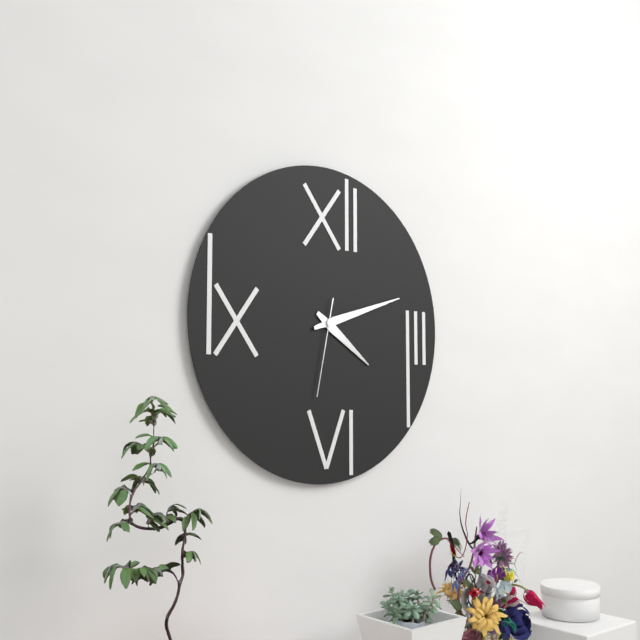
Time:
**4:12:32**
